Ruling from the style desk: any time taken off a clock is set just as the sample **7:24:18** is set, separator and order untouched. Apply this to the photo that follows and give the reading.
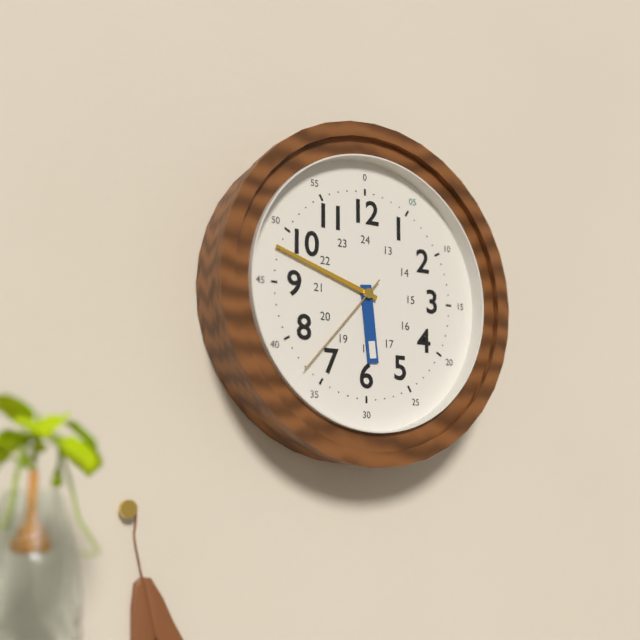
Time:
**5:48:37**
